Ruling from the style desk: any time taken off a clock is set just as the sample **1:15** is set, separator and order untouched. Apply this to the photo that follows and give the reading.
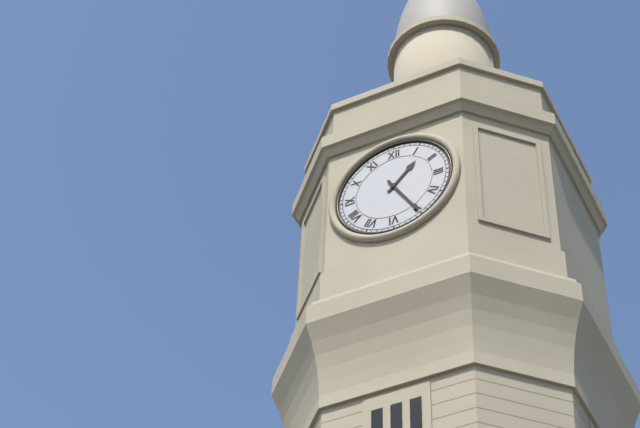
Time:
**1:25**
